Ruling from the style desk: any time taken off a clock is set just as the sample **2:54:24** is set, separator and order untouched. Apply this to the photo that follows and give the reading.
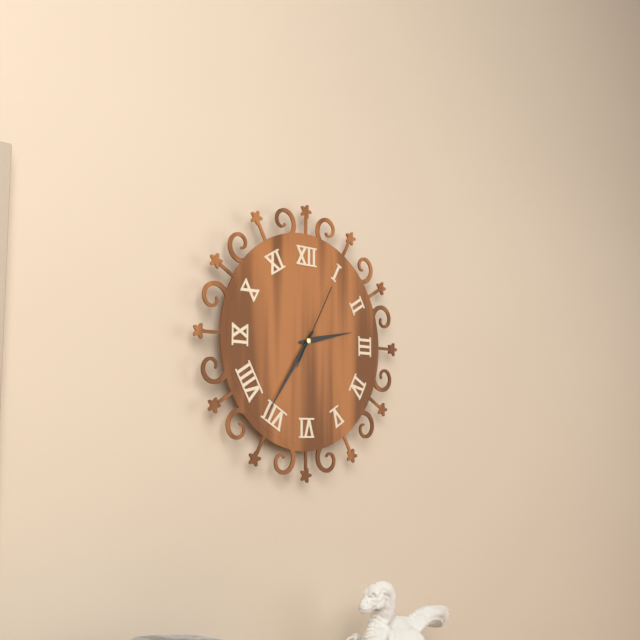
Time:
**2:36:05**
